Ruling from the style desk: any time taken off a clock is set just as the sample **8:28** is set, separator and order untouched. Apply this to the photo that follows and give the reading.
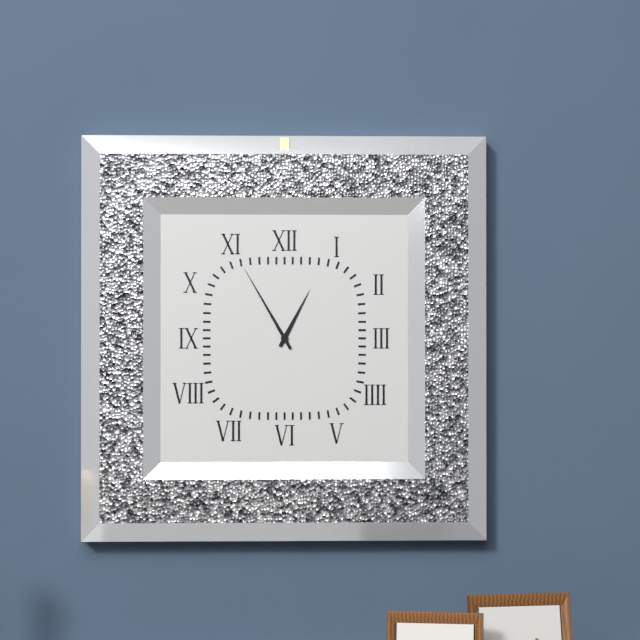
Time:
**12:55**
